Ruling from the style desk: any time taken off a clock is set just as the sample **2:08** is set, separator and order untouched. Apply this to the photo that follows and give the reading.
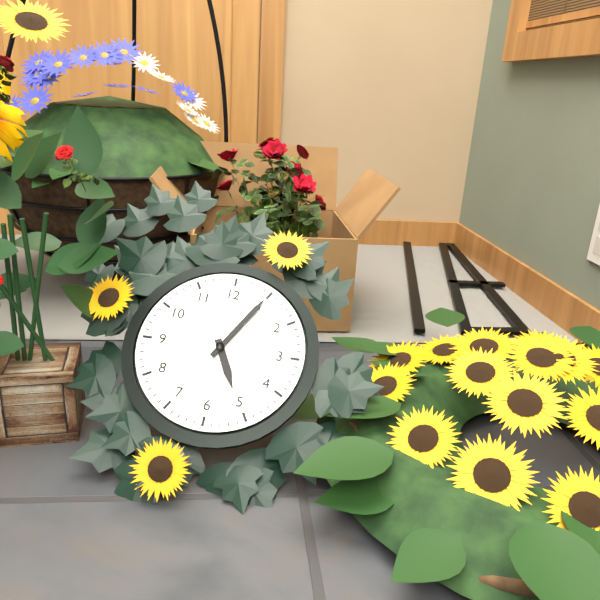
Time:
**5:05**
